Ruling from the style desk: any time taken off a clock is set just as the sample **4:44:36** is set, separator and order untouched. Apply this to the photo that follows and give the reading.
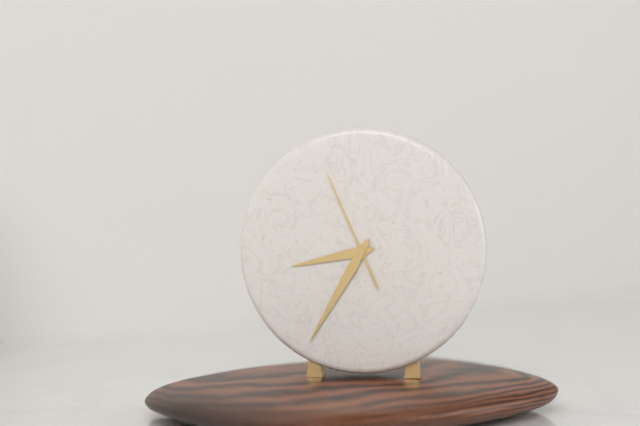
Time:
**8:35:56**
